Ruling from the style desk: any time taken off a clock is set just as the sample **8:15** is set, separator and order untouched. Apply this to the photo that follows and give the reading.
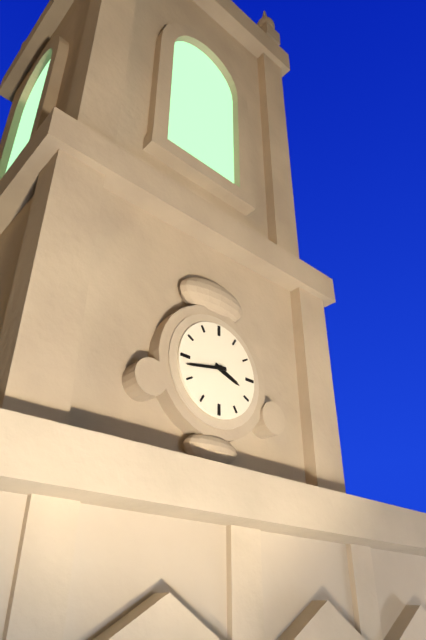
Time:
**3:43**
